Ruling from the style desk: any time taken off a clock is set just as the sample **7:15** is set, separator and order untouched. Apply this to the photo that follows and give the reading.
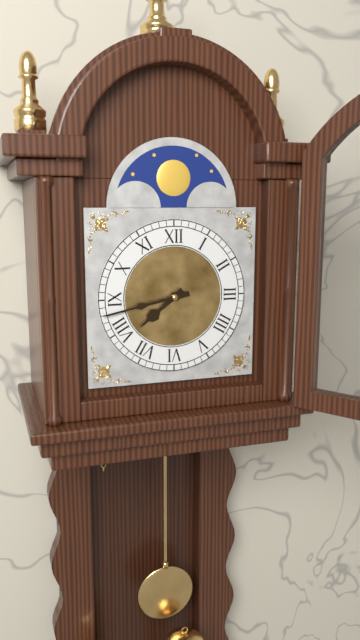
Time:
**7:43**
